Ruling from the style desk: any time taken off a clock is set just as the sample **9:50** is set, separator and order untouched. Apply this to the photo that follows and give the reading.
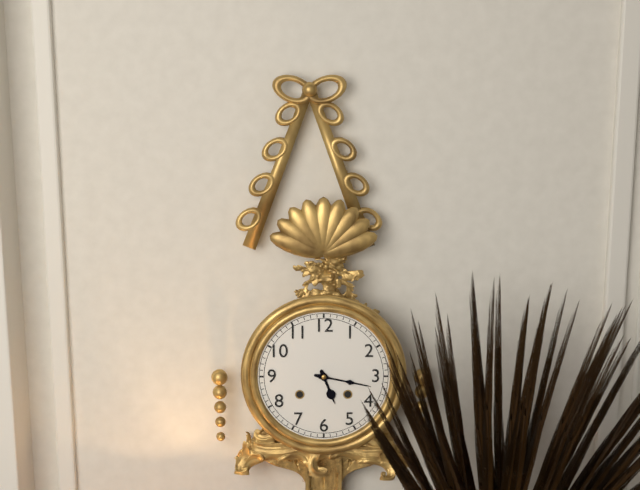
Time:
**5:17**
